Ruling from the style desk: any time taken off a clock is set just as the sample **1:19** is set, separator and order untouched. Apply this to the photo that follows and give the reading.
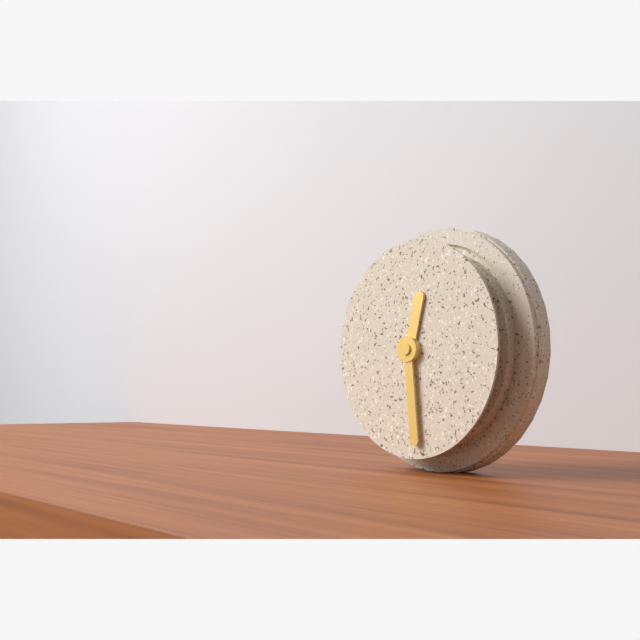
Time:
**12:29**
